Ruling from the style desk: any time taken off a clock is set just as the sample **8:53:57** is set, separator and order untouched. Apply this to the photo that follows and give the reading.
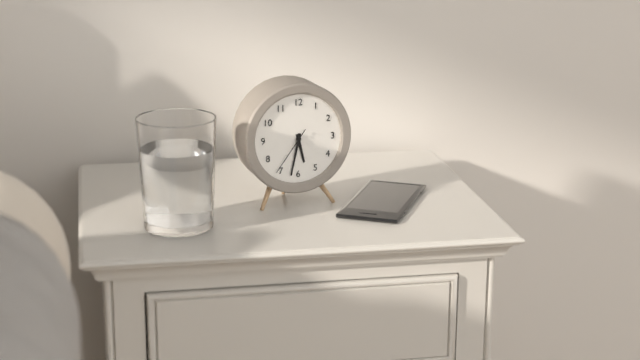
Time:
**5:32:36**
